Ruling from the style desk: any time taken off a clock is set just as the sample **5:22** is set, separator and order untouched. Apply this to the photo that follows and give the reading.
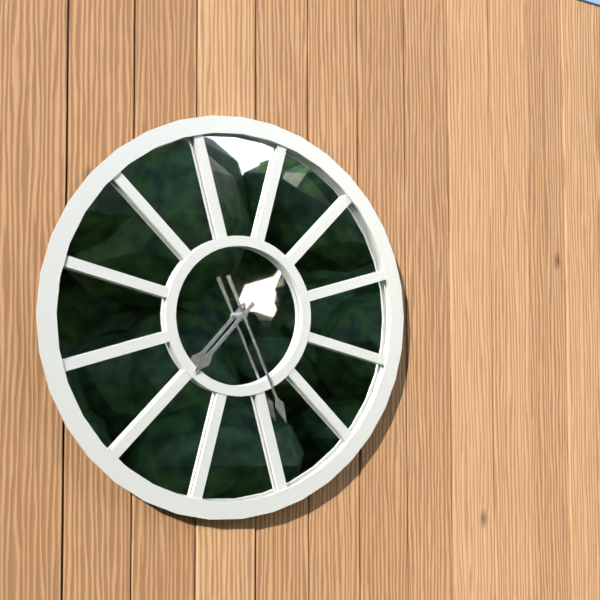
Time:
**7:26**
